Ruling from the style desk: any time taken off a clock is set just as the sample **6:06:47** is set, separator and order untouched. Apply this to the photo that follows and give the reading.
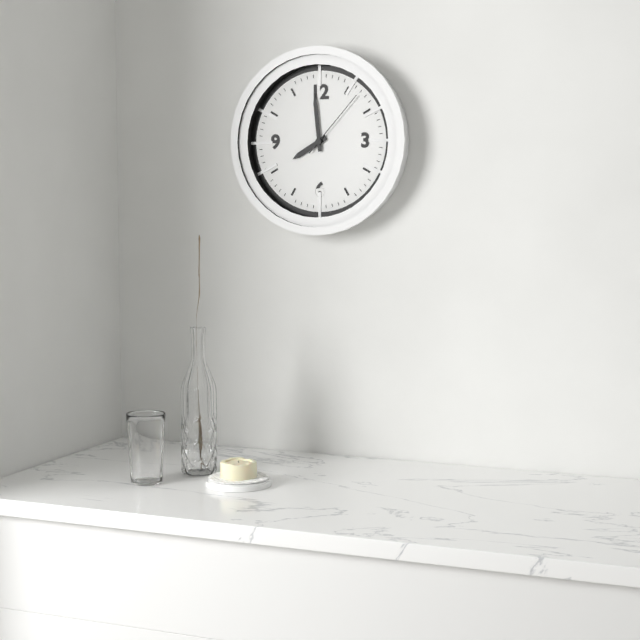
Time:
**7:59:07**
